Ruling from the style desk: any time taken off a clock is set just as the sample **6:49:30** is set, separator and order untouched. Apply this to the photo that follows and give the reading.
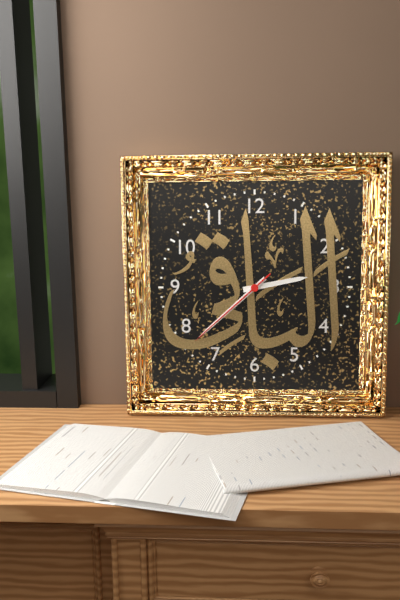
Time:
**2:38:38**
